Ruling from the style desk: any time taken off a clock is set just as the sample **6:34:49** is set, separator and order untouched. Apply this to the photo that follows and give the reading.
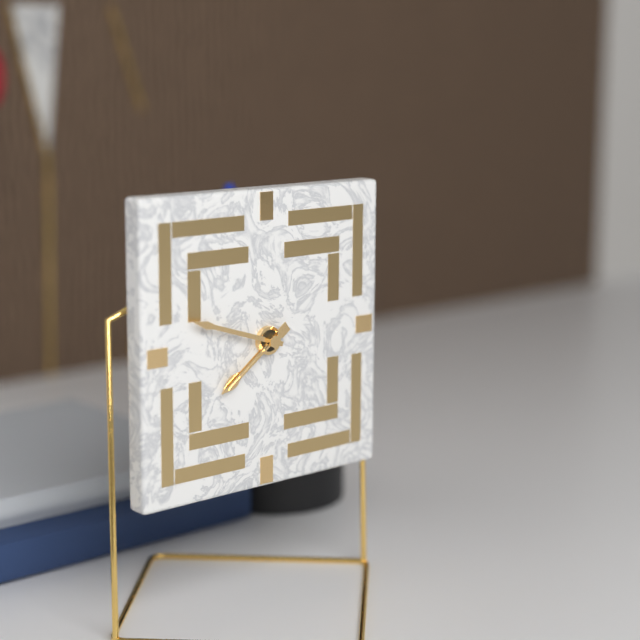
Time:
**7:48:39**
